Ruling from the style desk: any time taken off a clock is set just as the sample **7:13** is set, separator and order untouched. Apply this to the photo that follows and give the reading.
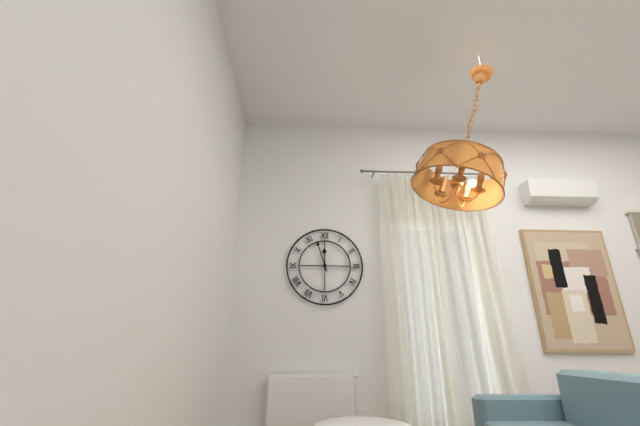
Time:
**11:57**
